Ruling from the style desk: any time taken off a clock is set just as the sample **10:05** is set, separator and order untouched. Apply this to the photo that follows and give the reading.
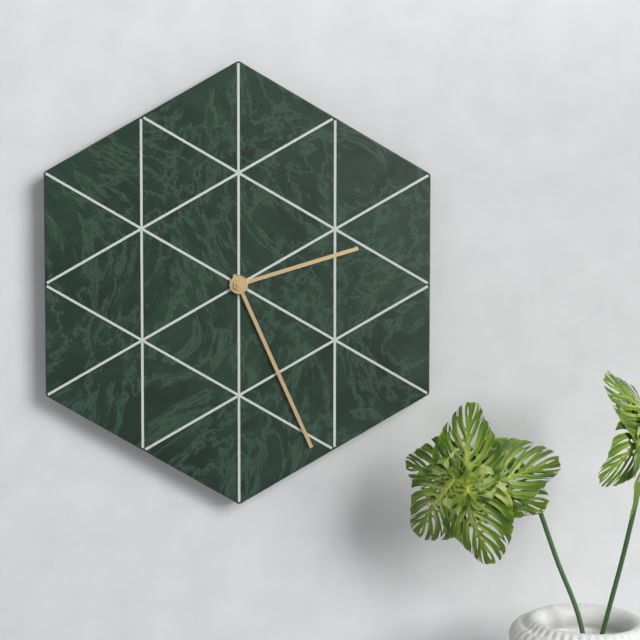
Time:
**2:26**
